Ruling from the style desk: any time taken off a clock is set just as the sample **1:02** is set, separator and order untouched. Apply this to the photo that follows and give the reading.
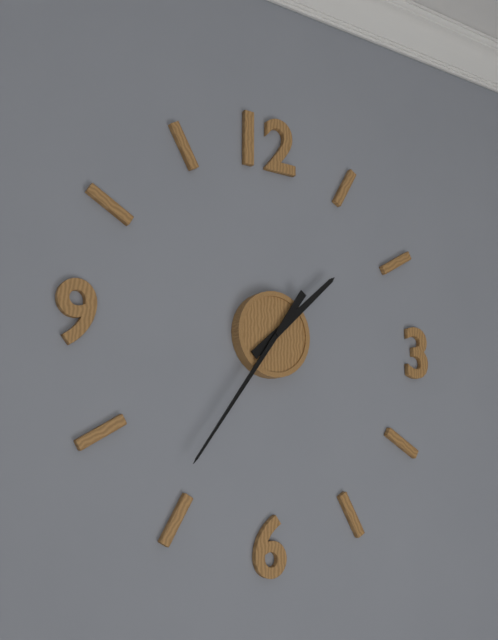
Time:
**1:36**
